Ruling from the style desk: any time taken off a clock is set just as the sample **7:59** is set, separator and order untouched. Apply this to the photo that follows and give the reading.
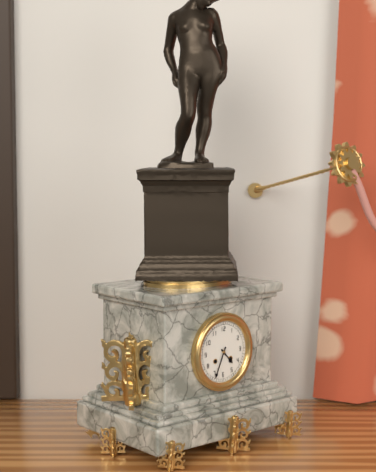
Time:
**4:34**
